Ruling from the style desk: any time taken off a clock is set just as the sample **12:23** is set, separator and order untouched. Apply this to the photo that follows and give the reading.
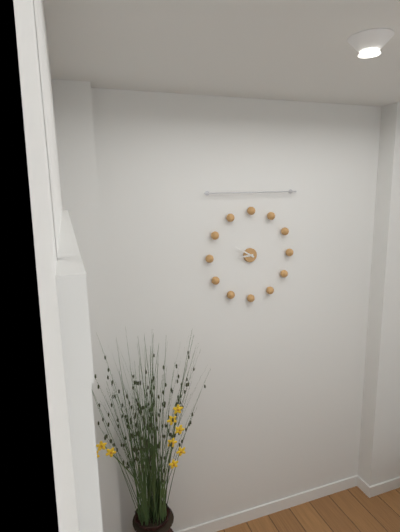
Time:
**8:50**
